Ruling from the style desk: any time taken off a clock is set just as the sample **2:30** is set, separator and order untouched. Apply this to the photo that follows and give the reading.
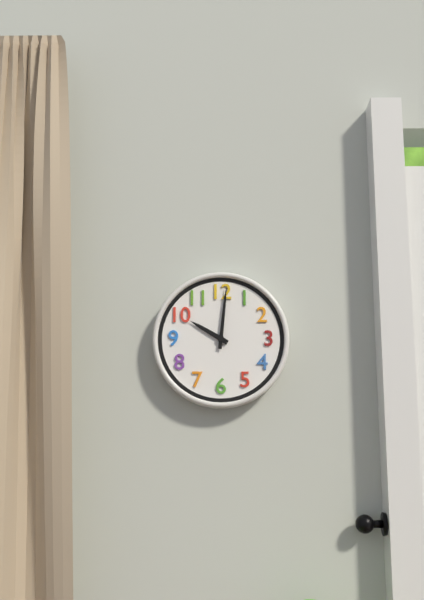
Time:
**10:01**
